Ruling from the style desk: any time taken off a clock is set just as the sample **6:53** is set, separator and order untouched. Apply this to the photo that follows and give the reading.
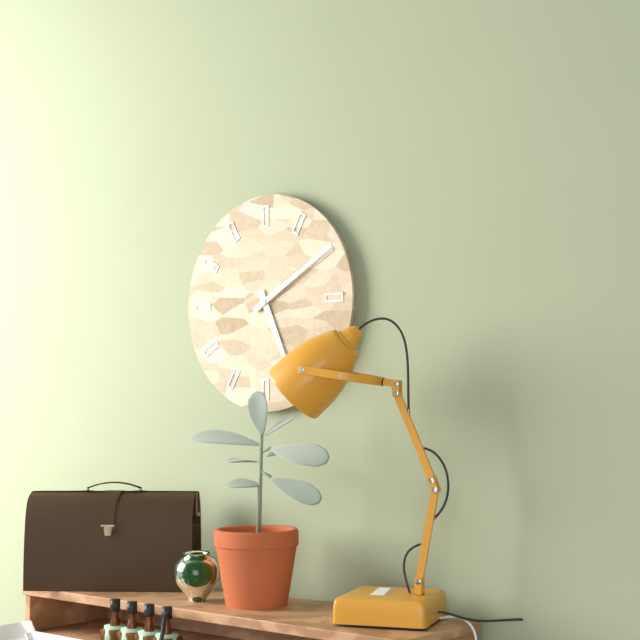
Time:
**5:10**
